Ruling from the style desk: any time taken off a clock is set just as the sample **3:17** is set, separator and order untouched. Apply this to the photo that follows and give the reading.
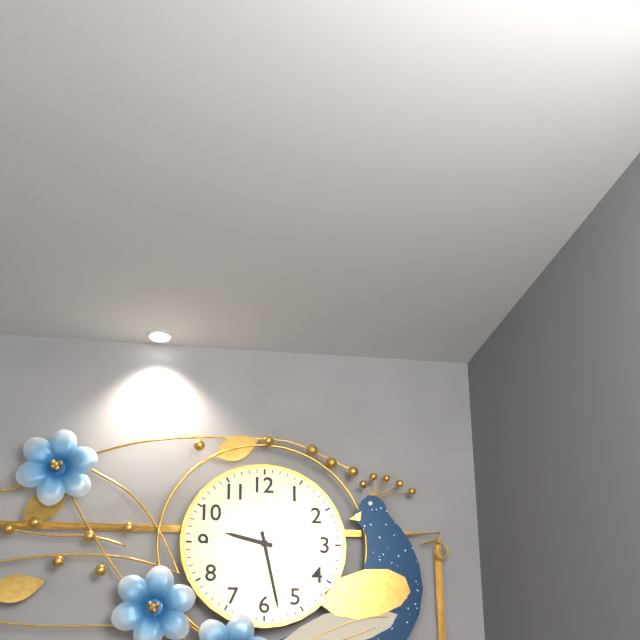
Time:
**9:28**
